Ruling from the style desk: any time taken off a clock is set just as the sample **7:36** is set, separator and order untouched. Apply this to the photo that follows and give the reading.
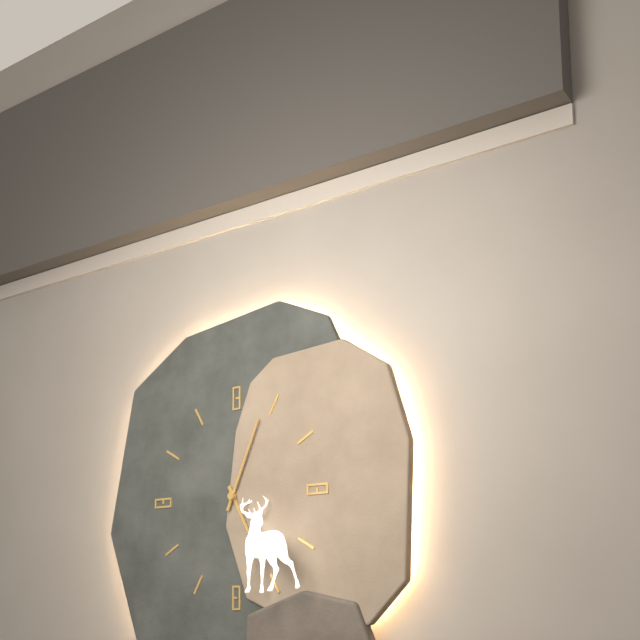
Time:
**5:04**
